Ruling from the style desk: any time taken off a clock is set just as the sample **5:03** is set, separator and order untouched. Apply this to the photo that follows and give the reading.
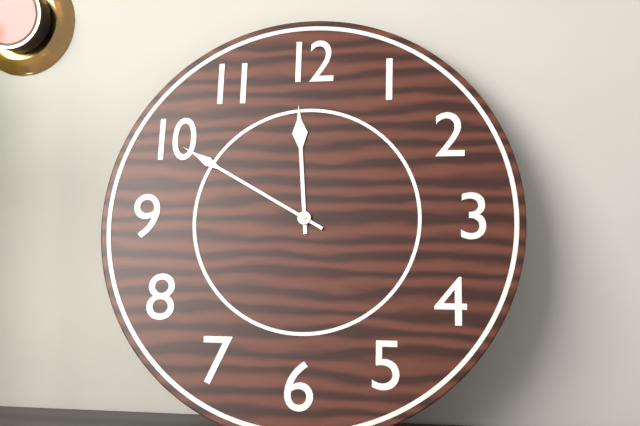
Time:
**11:50**
